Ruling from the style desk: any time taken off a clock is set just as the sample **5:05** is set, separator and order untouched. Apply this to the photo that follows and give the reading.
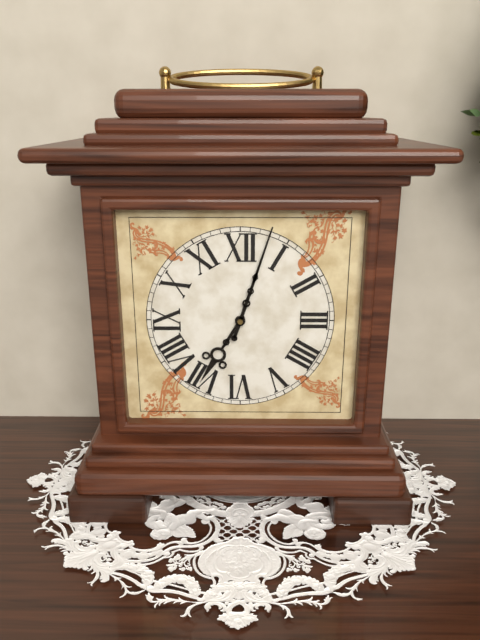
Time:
**7:03**
